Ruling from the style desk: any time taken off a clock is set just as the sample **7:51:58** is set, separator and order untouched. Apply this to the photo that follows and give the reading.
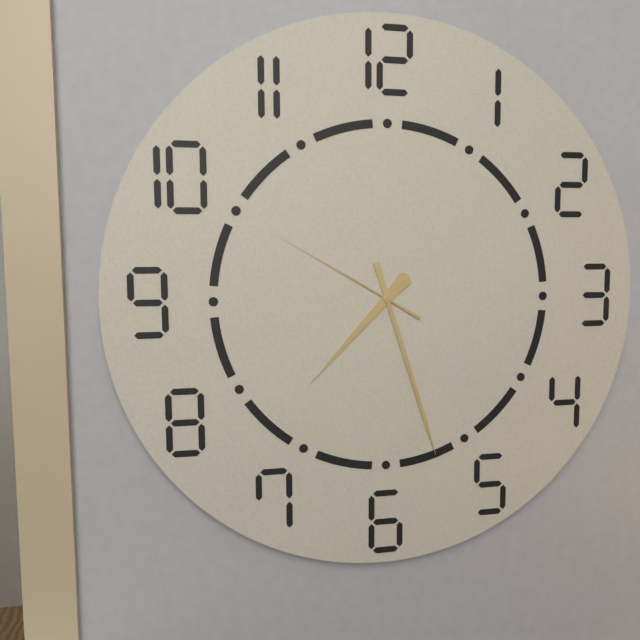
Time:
**7:27:50**
